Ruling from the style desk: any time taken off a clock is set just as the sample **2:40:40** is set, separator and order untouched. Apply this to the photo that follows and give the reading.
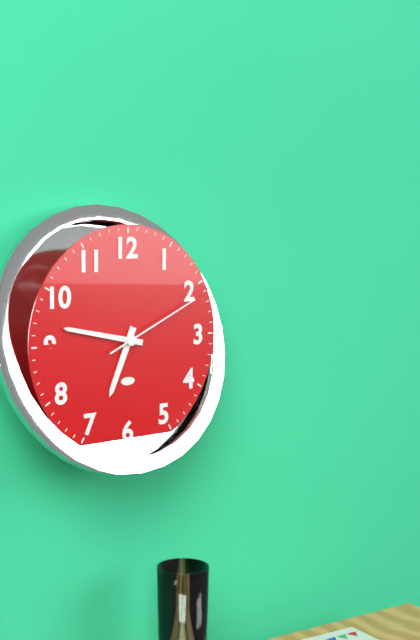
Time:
**6:47:11**
